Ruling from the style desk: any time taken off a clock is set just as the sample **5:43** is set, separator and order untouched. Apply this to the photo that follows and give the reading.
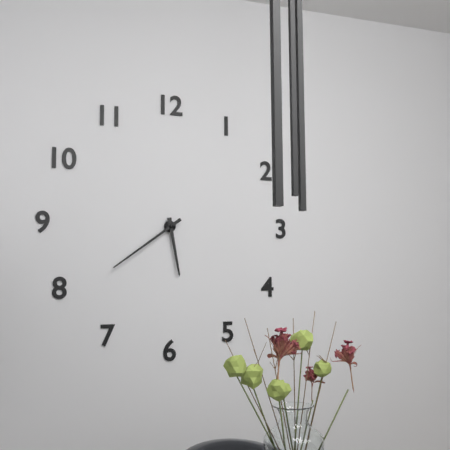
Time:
**5:39**
